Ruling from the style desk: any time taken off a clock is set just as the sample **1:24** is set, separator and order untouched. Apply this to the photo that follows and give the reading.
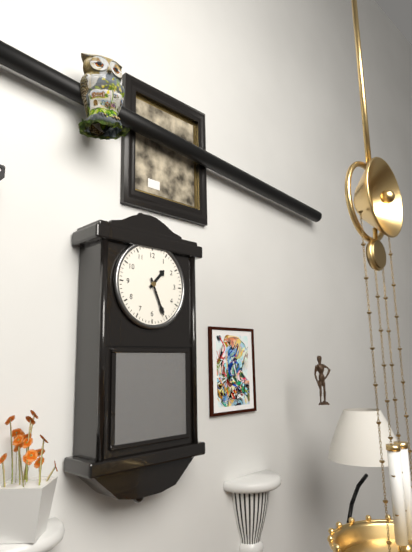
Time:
**1:26**
